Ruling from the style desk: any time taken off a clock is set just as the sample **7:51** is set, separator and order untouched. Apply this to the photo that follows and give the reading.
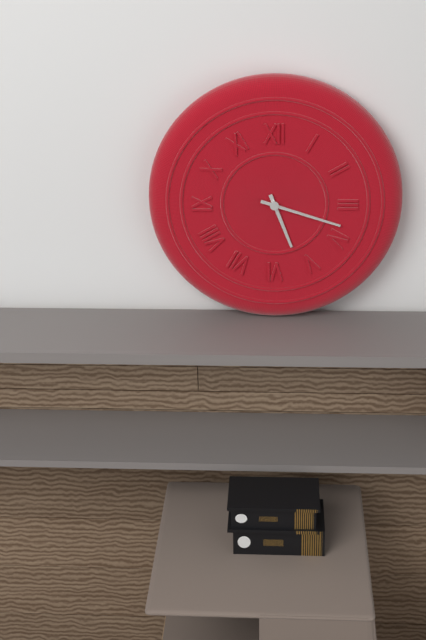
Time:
**5:18**
